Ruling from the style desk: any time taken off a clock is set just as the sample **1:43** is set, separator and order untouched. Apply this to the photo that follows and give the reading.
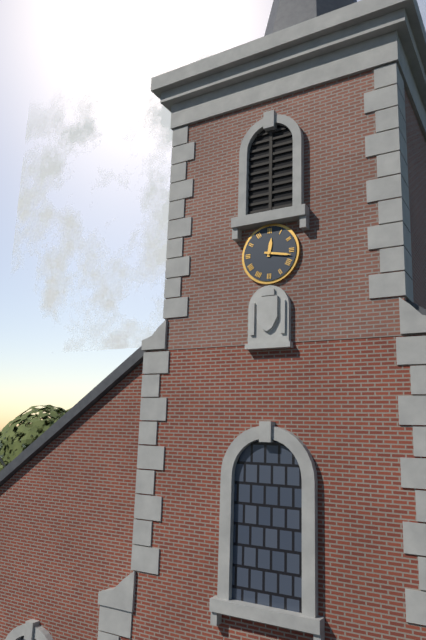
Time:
**12:17**
